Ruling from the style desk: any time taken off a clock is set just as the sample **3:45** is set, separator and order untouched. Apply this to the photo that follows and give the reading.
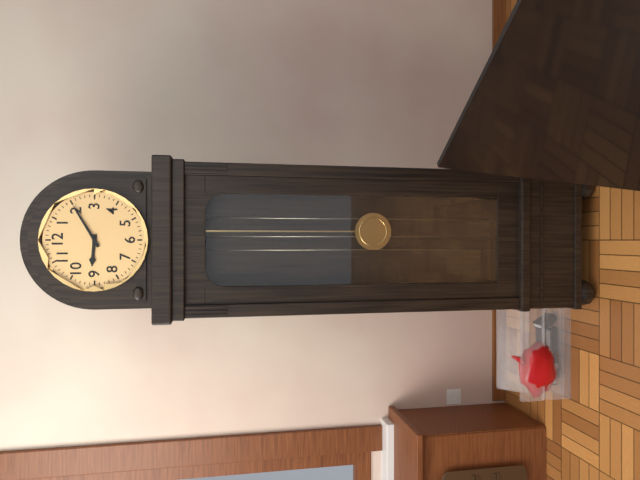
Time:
**9:10**
